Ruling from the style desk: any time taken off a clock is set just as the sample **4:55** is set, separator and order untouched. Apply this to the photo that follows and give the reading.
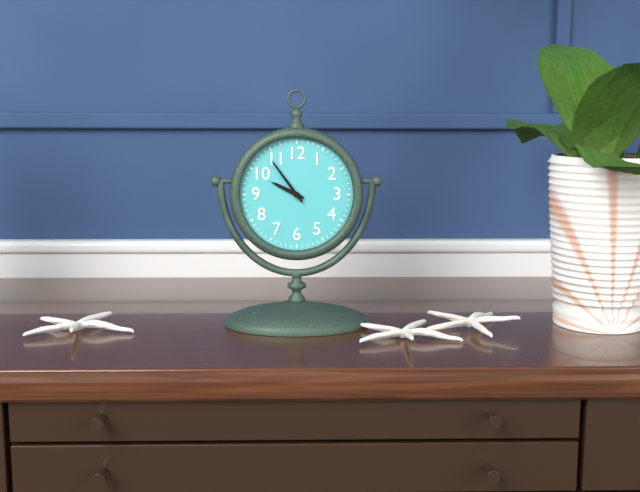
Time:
**9:54**
